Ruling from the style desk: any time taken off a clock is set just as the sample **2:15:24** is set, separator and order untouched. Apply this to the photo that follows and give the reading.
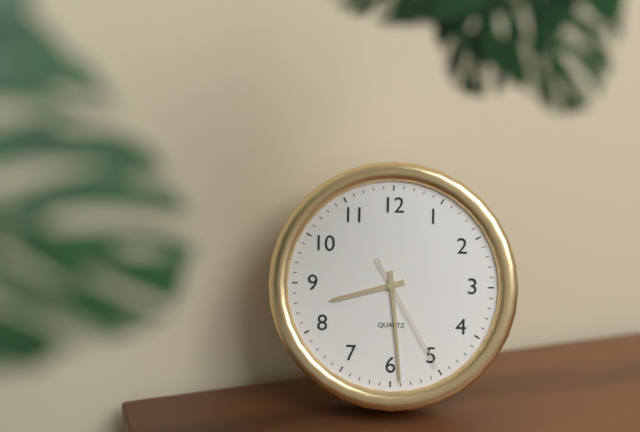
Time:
**8:29:25**
